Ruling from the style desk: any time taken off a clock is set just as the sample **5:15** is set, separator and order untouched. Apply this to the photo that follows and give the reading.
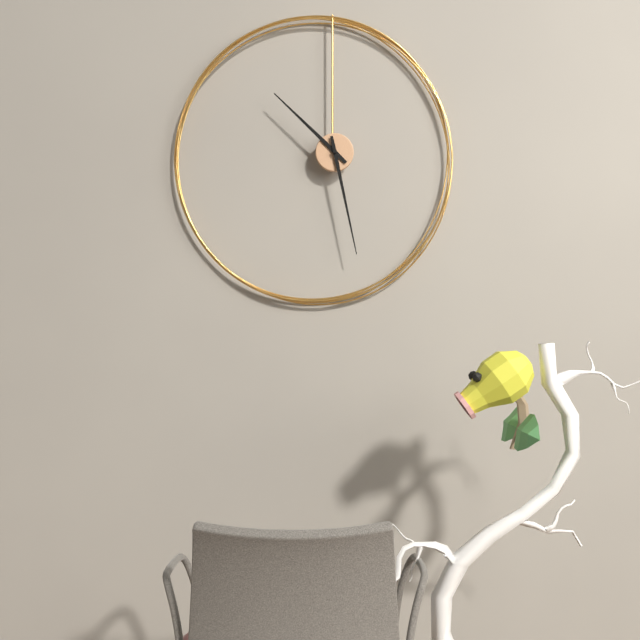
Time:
**10:28**
